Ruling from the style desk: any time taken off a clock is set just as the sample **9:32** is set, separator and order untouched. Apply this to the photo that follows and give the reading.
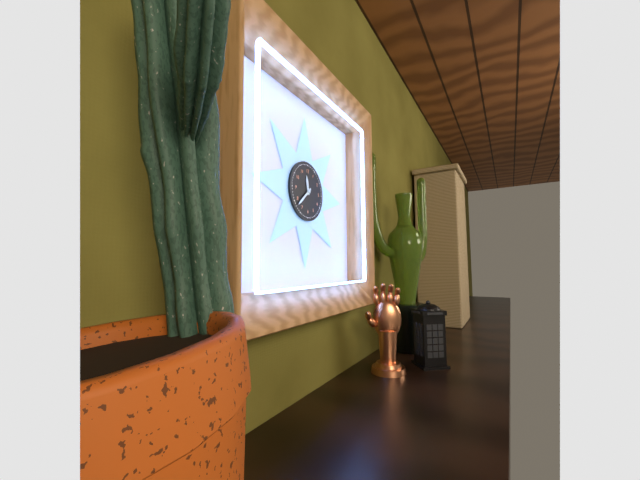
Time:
**11:38**
